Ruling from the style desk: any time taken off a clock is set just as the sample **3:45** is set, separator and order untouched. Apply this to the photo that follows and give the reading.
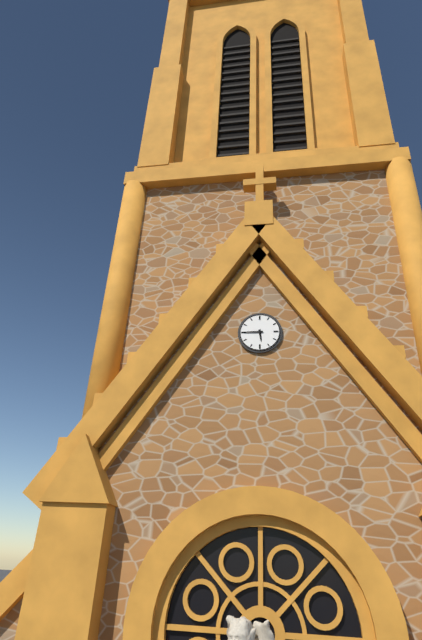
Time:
**5:45**
